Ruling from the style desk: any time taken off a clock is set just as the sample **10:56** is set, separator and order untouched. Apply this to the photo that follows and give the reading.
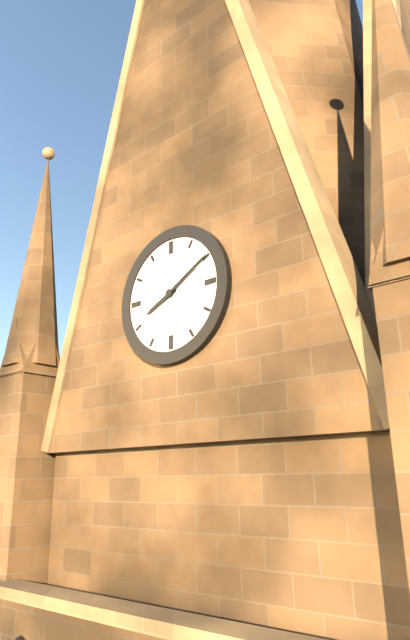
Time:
**8:10**
